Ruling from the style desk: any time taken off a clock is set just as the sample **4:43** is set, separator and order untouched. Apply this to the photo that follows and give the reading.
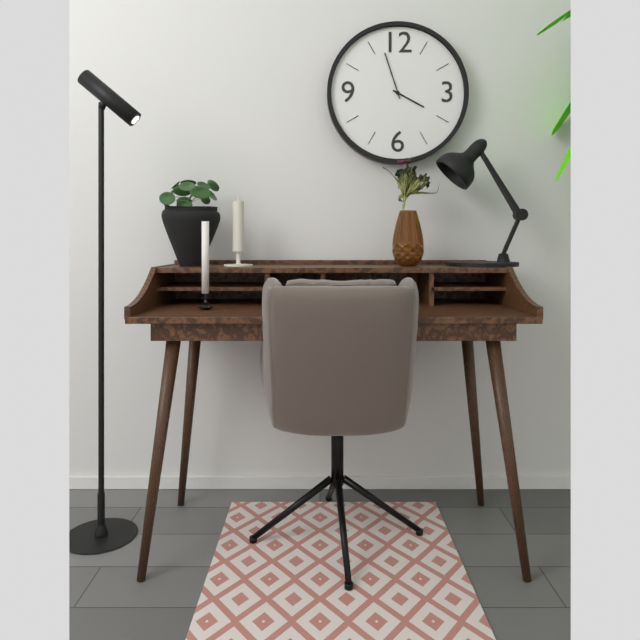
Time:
**3:57**
